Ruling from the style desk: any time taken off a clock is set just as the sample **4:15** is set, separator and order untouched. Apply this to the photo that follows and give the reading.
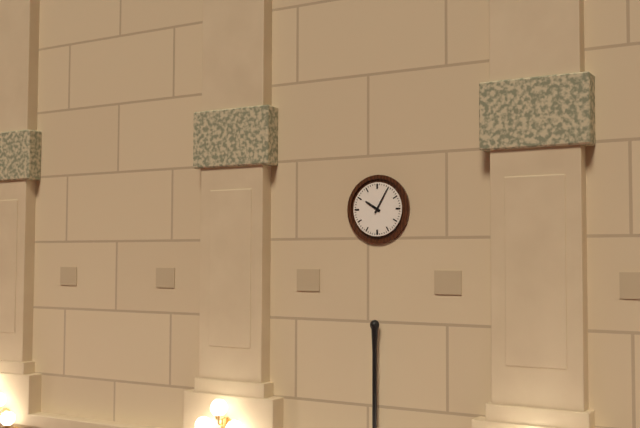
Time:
**10:05**
